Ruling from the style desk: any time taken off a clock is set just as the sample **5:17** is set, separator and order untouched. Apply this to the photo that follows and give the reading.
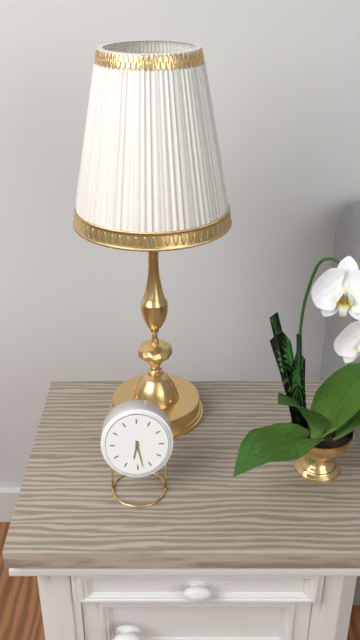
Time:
**6:28**
